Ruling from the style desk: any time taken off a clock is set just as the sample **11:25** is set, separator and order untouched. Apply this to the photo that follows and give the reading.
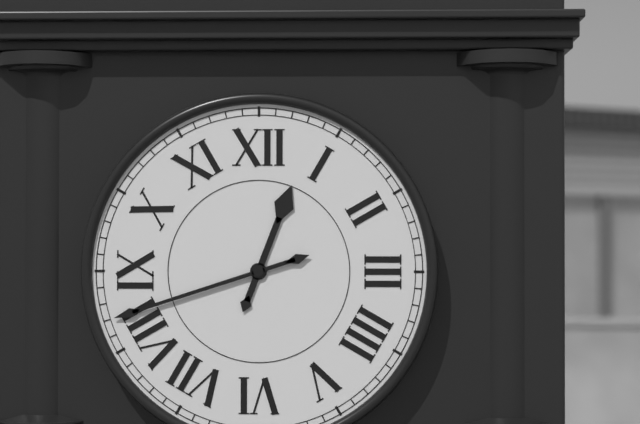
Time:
**12:42**
